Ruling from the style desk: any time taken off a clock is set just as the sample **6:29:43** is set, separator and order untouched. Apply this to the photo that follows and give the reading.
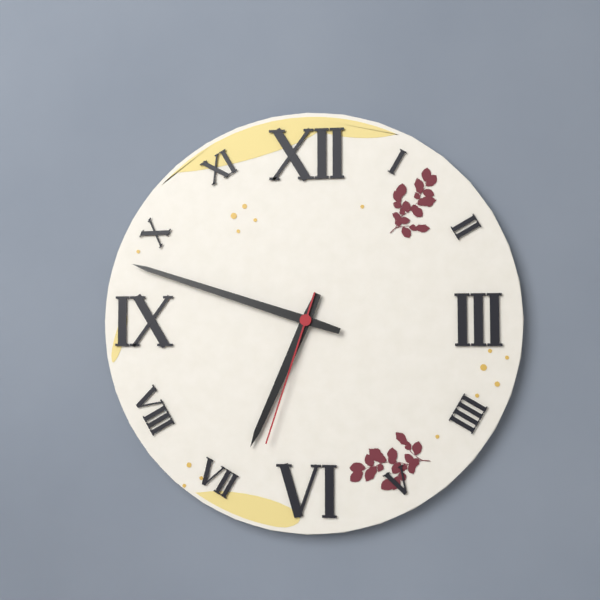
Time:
**6:48:33**
